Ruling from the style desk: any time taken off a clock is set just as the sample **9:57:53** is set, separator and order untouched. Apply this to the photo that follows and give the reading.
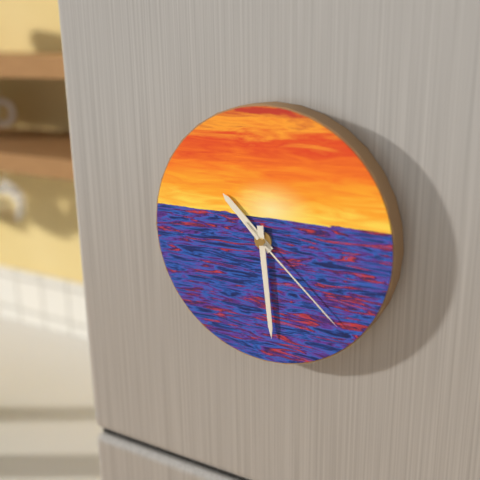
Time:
**10:29:22**
